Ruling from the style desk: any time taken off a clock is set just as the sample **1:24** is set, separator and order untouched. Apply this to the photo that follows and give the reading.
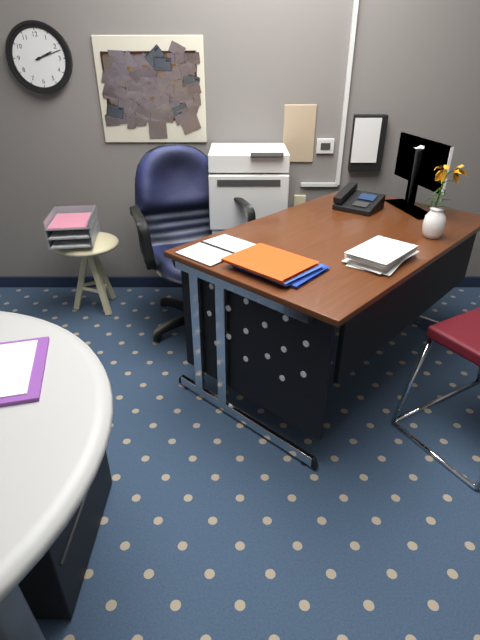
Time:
**2:12**
